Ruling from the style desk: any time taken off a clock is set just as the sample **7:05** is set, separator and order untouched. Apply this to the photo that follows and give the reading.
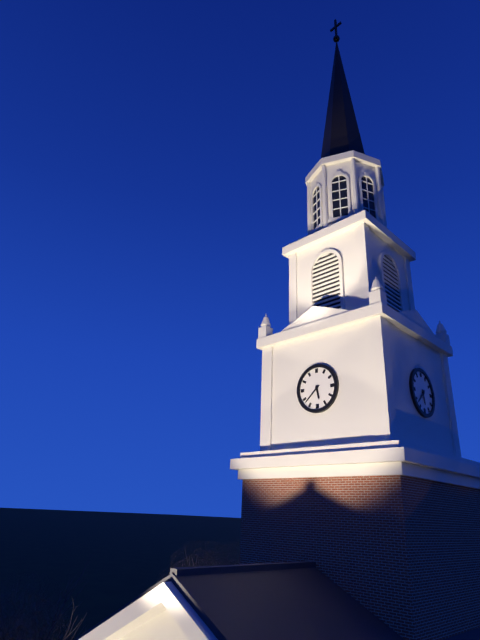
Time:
**5:38**
